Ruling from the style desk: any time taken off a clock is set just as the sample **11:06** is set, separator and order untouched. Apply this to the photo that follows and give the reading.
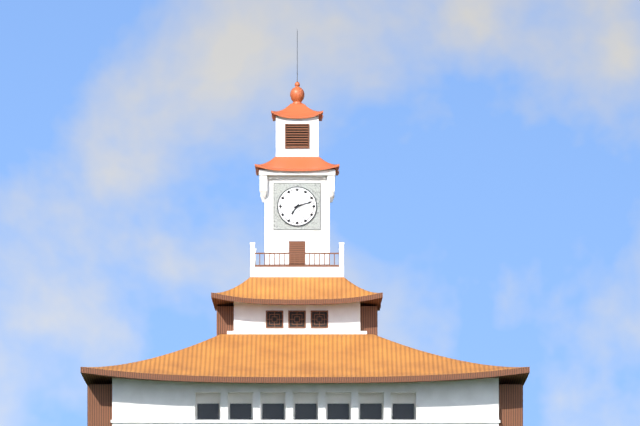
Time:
**7:12**
